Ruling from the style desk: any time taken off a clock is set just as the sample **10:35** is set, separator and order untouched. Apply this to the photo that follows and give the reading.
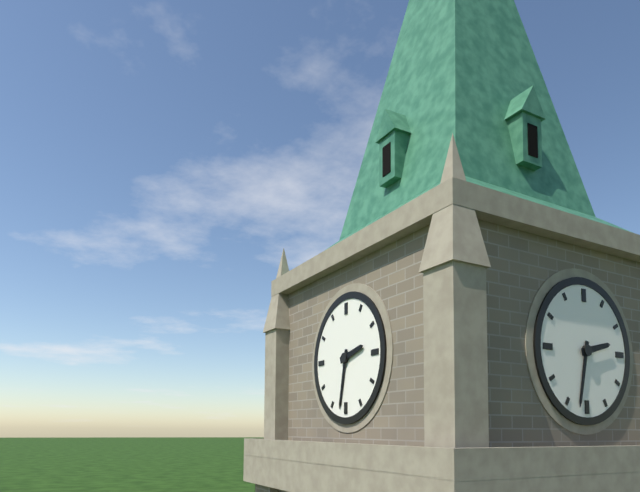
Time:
**2:32**
